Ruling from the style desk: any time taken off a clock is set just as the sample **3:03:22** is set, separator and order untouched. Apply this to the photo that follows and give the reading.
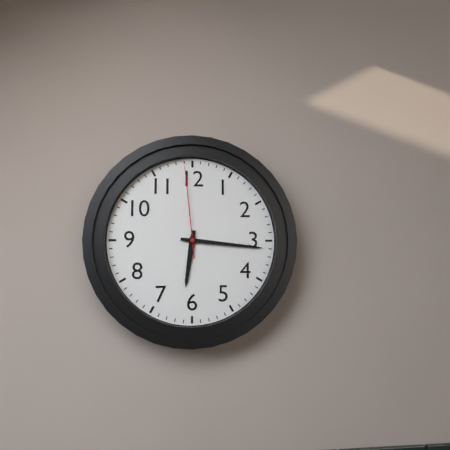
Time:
**6:16:59**
